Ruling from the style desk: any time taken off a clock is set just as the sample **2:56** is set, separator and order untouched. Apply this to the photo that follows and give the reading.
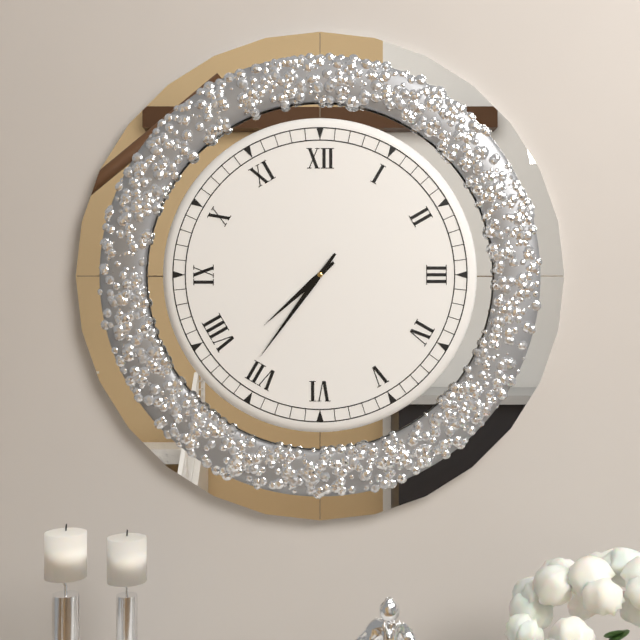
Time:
**7:36**
